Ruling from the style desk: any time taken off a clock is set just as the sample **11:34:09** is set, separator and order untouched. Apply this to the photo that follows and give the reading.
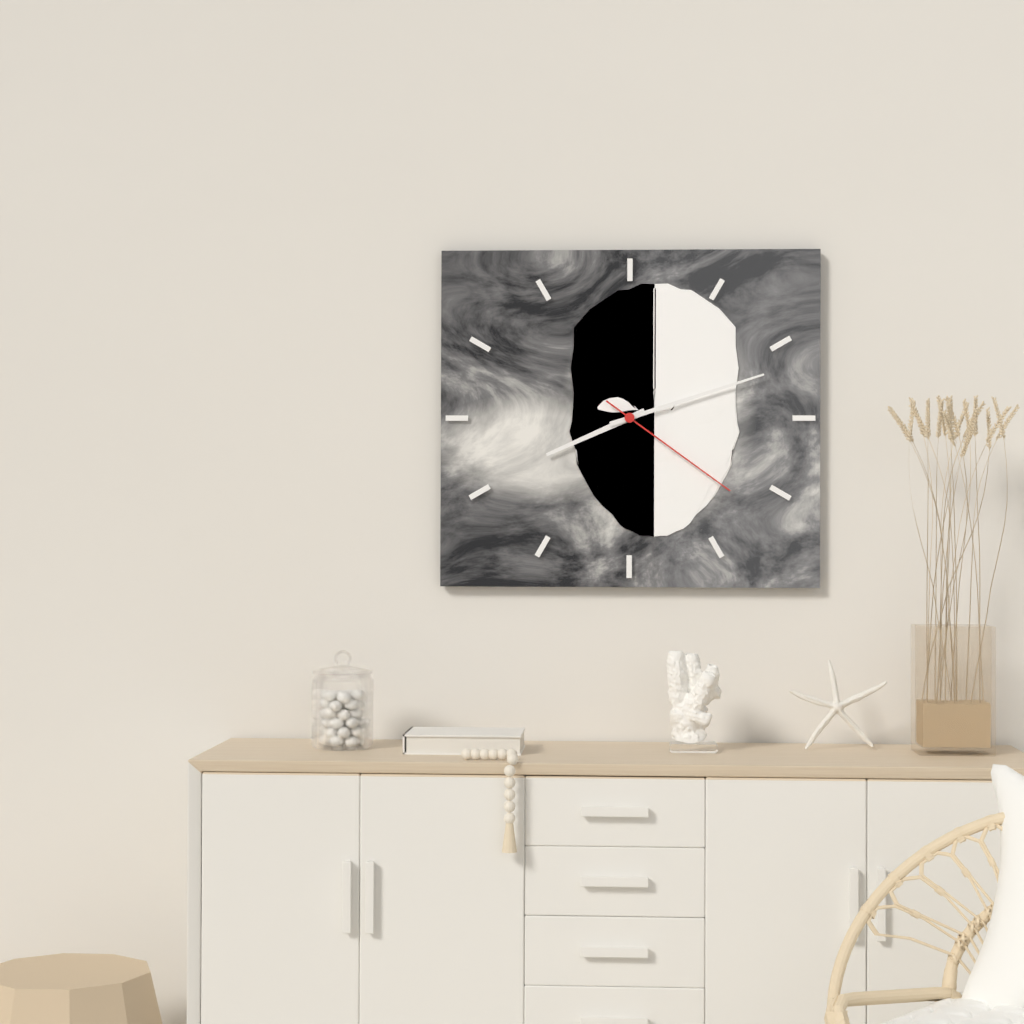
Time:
**8:12:21**
